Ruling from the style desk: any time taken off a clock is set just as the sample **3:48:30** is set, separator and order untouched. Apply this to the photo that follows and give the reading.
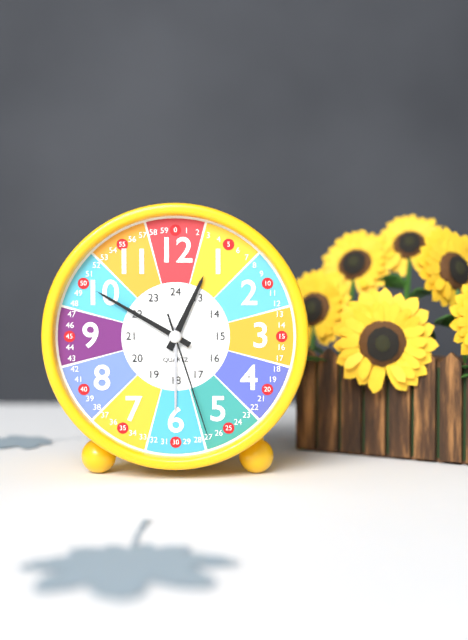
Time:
**12:50:27**
